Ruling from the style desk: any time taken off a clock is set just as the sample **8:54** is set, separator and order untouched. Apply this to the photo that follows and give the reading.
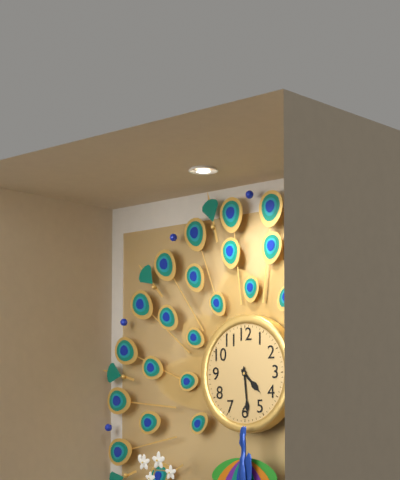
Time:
**4:29**
